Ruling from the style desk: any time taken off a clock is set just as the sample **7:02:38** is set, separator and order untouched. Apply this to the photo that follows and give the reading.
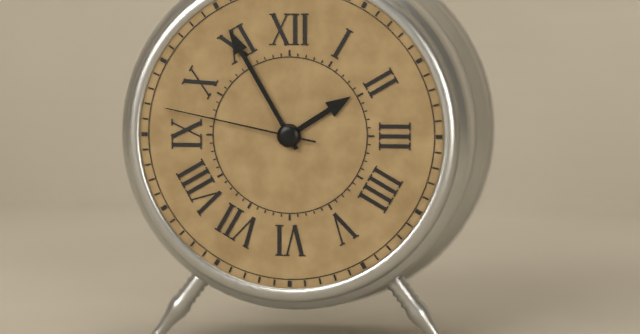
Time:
**1:55:47**
